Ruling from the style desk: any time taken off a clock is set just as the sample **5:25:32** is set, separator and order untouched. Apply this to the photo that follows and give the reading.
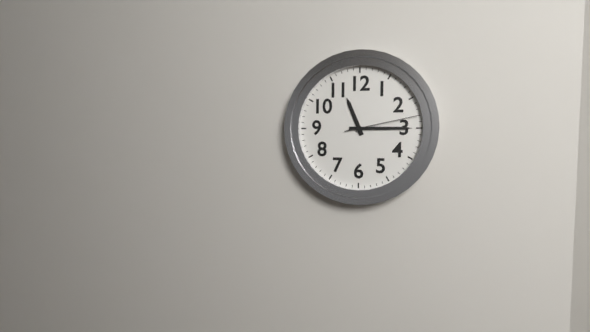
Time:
**11:15:13**
